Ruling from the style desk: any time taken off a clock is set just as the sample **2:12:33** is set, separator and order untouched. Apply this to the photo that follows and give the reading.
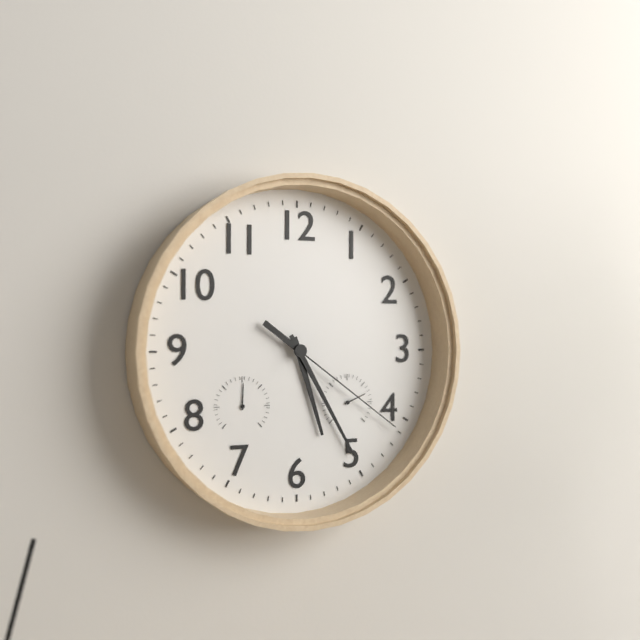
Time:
**5:25:21**
